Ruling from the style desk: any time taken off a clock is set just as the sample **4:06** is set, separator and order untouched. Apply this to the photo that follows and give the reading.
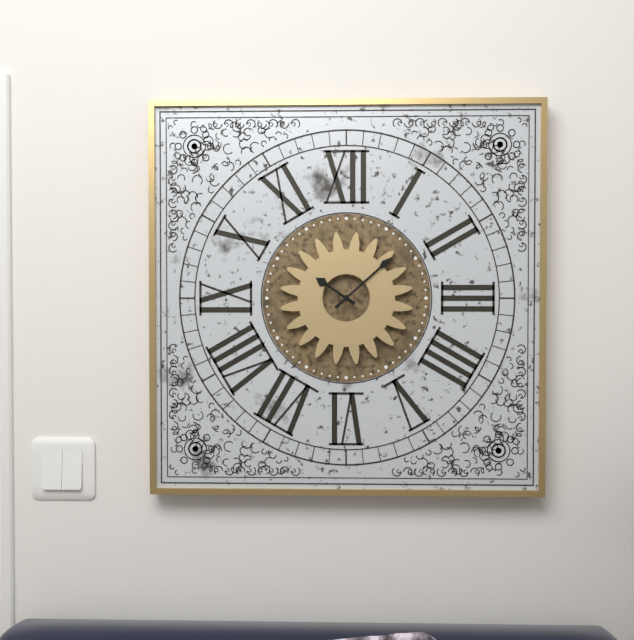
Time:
**10:08**
